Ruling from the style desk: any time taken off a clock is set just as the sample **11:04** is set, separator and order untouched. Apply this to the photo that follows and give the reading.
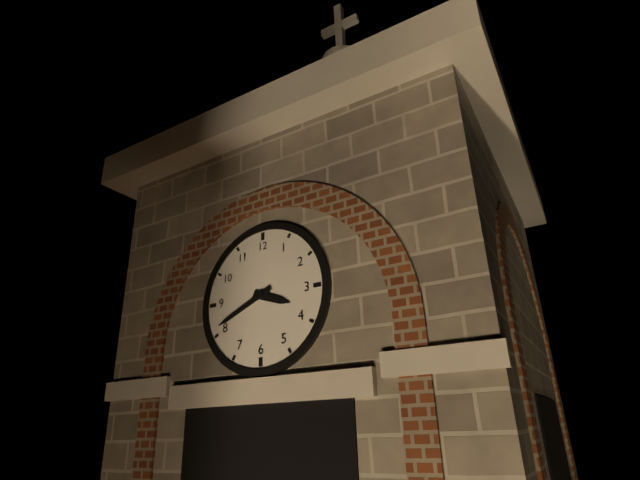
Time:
**3:41**
